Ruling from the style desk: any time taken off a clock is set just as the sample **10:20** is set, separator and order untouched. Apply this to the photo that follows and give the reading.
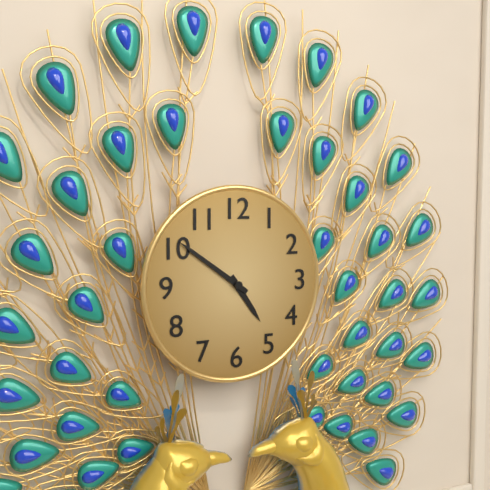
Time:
**4:51**
